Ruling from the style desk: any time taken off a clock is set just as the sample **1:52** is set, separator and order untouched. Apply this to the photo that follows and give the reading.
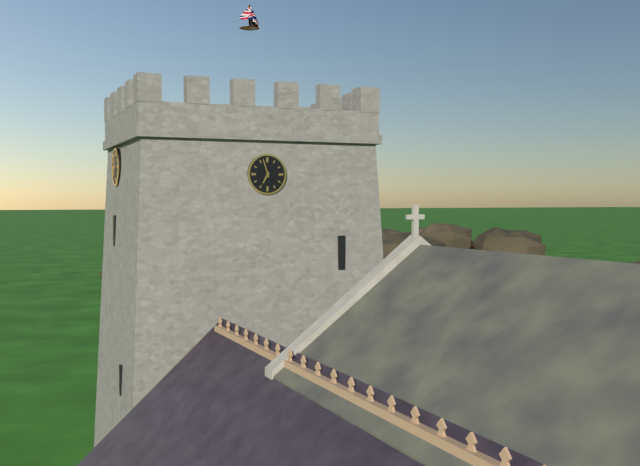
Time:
**6:57**
